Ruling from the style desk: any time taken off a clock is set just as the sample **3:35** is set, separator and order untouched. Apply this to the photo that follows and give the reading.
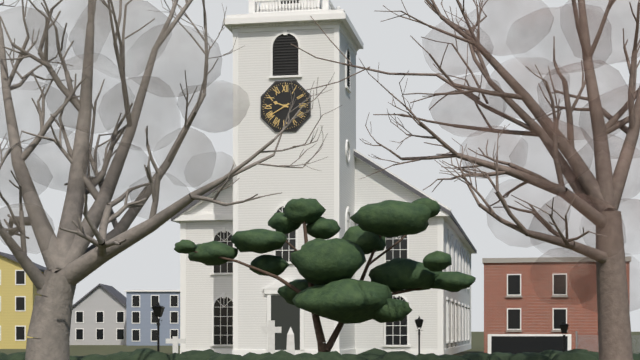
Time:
**9:40**
